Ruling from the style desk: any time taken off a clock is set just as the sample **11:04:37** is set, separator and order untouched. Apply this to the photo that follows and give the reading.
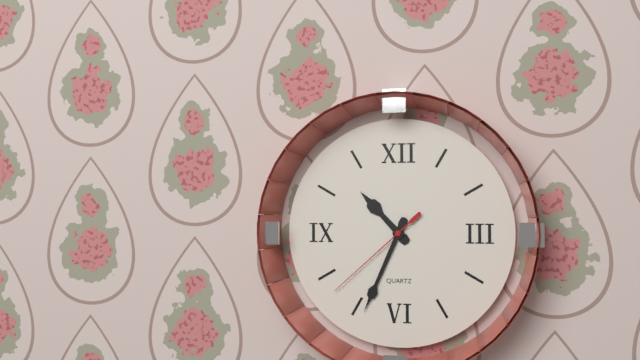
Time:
**10:34:38**
